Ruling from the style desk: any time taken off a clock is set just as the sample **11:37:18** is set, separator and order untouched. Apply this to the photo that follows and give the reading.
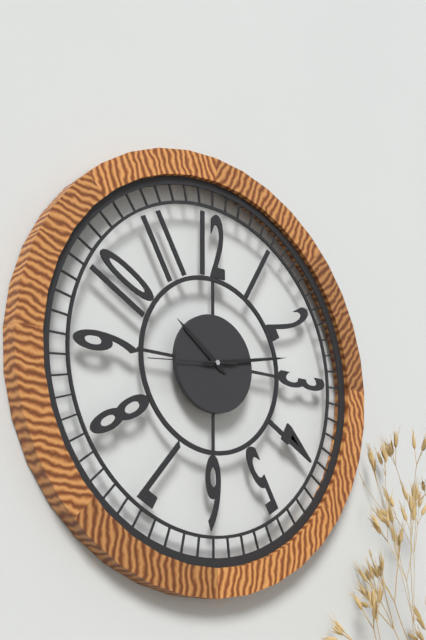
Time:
**10:13:44**
